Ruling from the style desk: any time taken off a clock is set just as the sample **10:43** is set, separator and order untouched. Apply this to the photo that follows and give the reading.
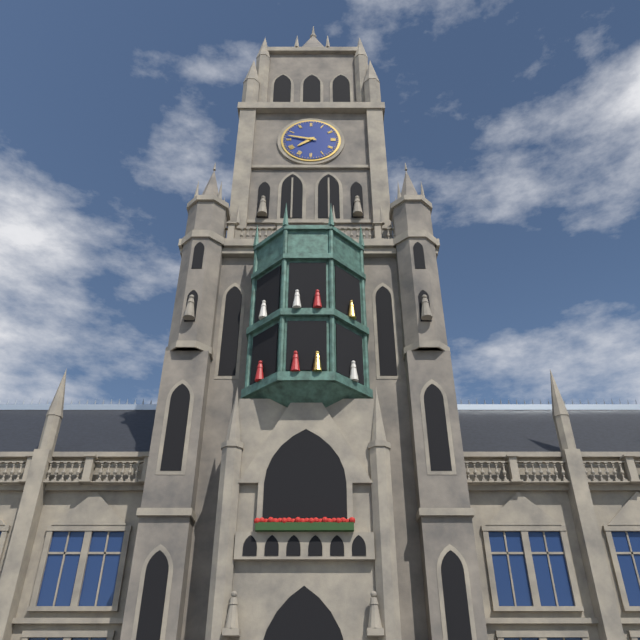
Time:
**7:47**
